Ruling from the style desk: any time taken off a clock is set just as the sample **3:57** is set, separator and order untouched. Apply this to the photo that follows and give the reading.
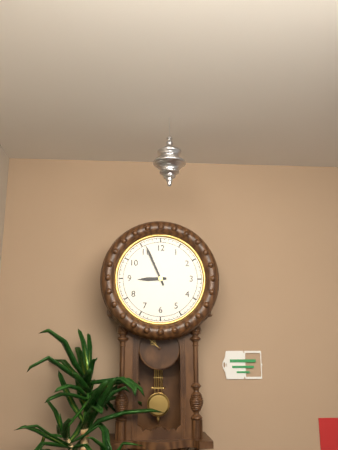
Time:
**8:56**
